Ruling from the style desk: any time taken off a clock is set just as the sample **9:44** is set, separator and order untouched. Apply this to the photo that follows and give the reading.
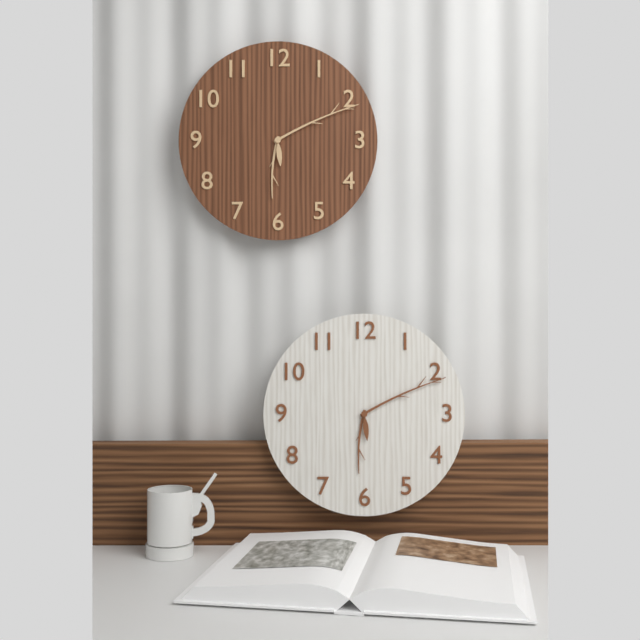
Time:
**6:11**
